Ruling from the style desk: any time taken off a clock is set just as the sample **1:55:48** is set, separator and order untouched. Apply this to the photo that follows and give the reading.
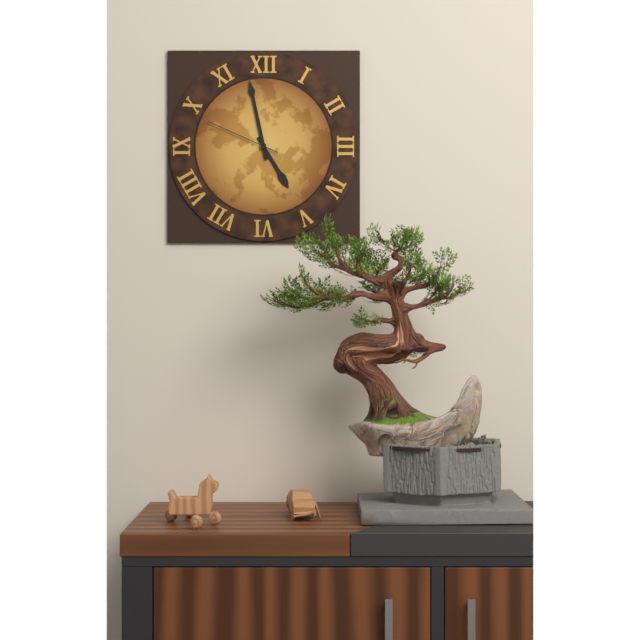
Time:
**4:58:49**
